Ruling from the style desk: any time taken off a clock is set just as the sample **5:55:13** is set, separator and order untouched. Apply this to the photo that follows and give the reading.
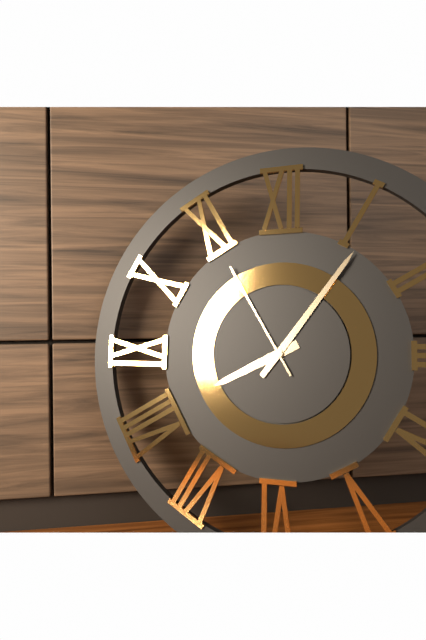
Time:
**8:06:55**
